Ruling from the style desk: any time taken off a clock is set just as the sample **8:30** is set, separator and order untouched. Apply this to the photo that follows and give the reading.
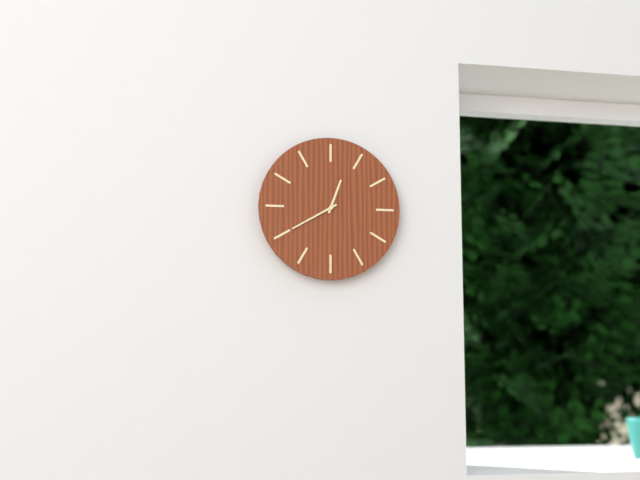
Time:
**12:40**
